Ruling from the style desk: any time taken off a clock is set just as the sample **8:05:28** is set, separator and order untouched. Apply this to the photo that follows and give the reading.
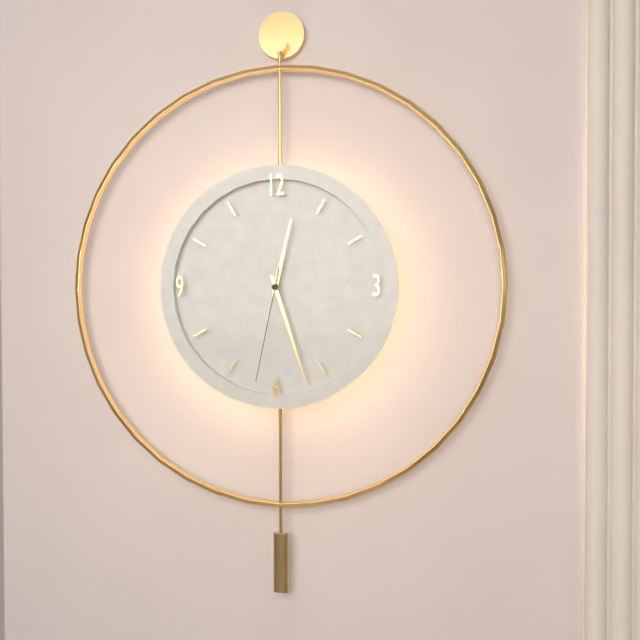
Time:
**12:27:32**
